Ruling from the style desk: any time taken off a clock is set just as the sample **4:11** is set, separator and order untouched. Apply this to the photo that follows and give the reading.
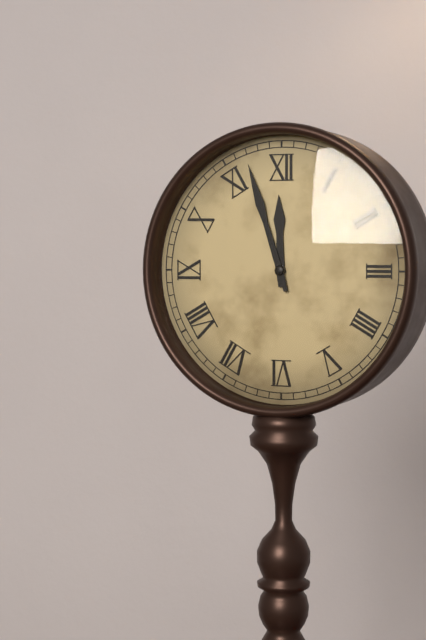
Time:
**11:57**
